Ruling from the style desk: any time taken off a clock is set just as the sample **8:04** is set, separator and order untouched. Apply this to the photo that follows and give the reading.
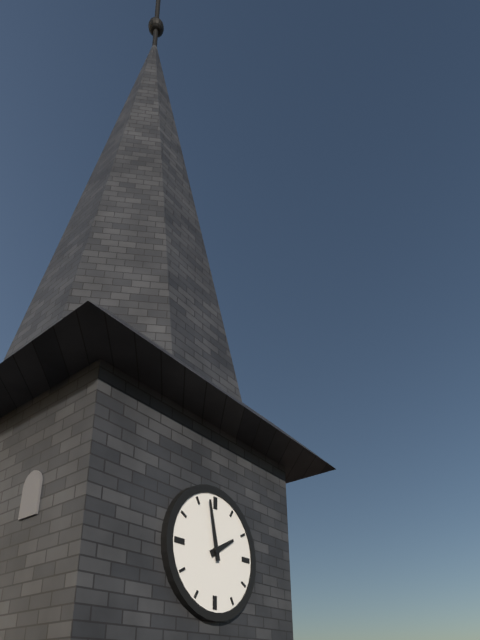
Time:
**1:58**
